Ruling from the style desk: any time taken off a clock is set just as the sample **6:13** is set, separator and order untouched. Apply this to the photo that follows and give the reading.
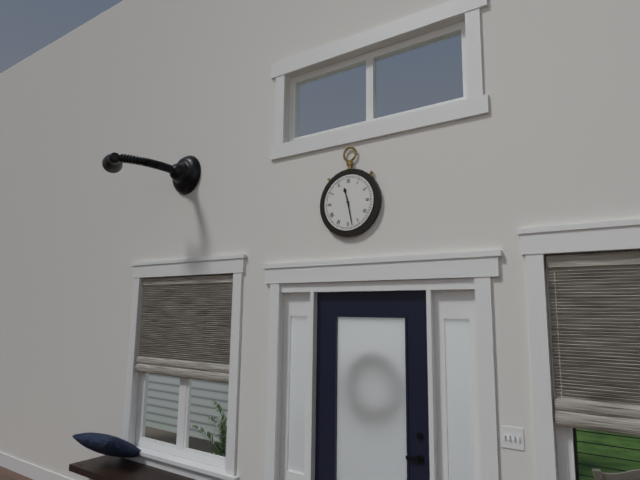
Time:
**11:28**
